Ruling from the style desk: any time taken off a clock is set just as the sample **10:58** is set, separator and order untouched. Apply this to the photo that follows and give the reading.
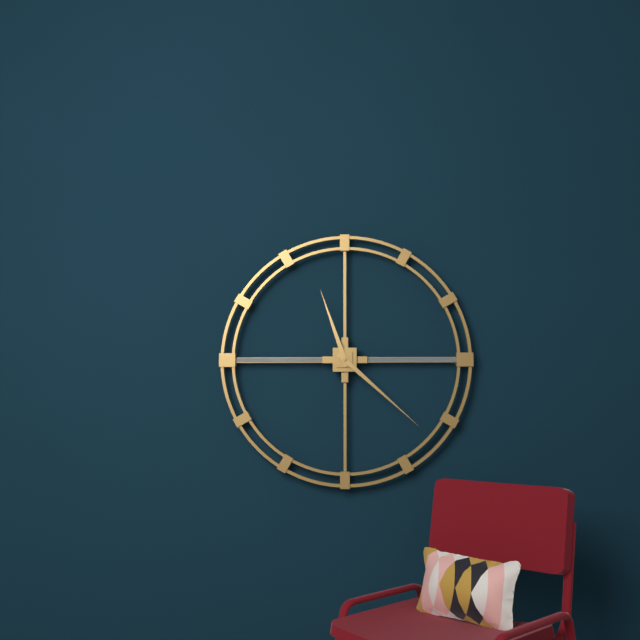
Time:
**11:22**
